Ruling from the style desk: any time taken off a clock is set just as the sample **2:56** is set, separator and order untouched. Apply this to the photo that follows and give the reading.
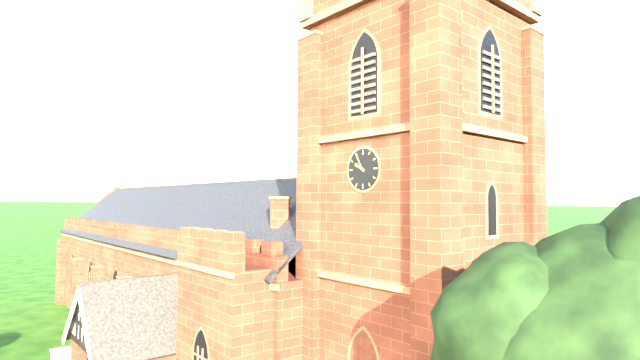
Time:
**9:55**
